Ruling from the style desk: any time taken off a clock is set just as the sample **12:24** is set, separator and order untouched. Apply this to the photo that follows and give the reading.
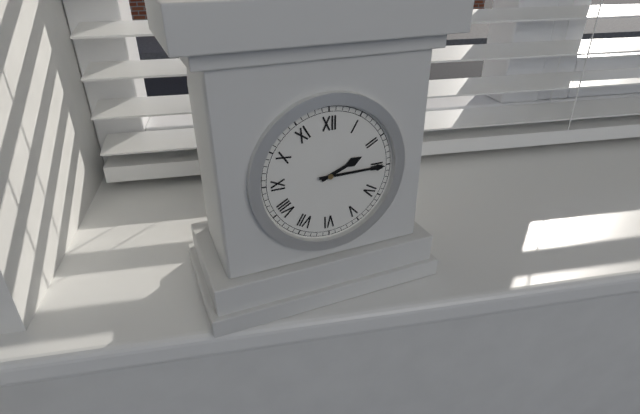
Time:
**2:15**
